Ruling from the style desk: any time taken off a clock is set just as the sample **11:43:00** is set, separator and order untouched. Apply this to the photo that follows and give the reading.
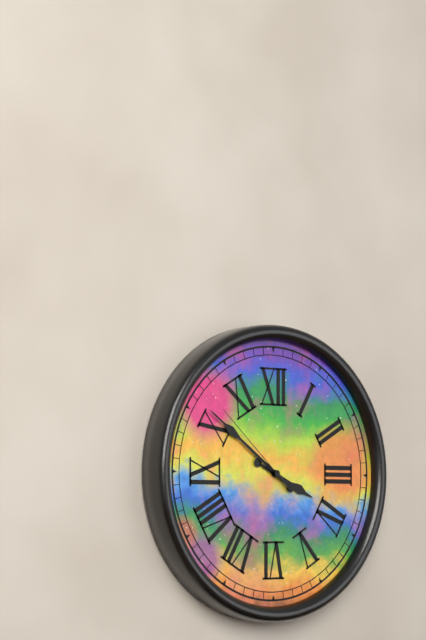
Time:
**3:51:52**
